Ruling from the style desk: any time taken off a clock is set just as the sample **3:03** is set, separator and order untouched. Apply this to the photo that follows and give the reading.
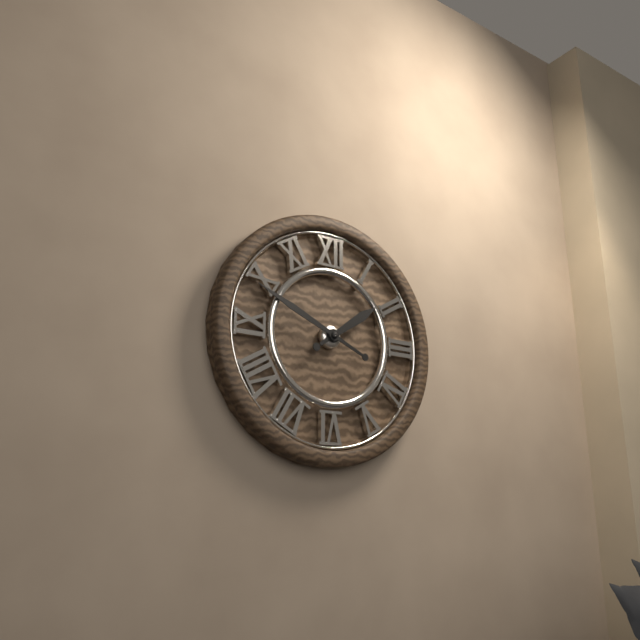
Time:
**1:49**
